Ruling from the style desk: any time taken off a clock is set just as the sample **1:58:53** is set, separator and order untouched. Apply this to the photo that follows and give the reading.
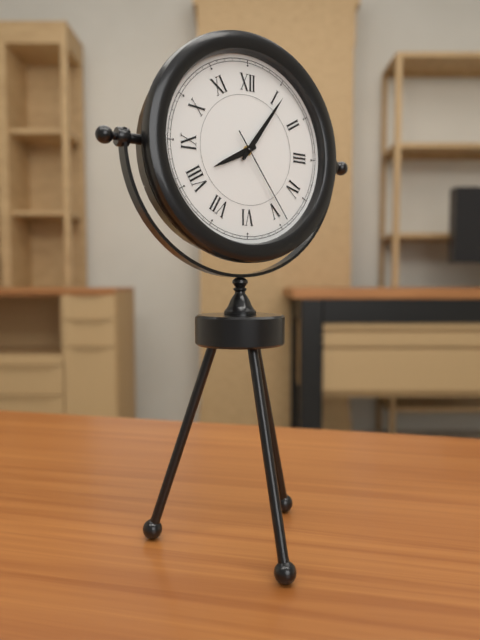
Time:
**8:06:24**
